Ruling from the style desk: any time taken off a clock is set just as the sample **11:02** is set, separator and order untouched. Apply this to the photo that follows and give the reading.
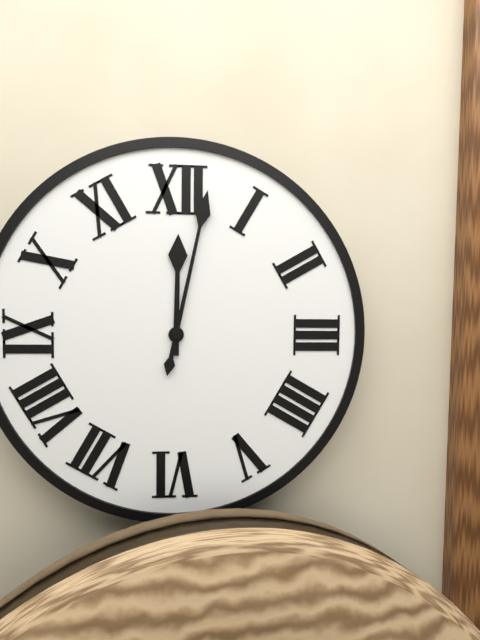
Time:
**12:02**
